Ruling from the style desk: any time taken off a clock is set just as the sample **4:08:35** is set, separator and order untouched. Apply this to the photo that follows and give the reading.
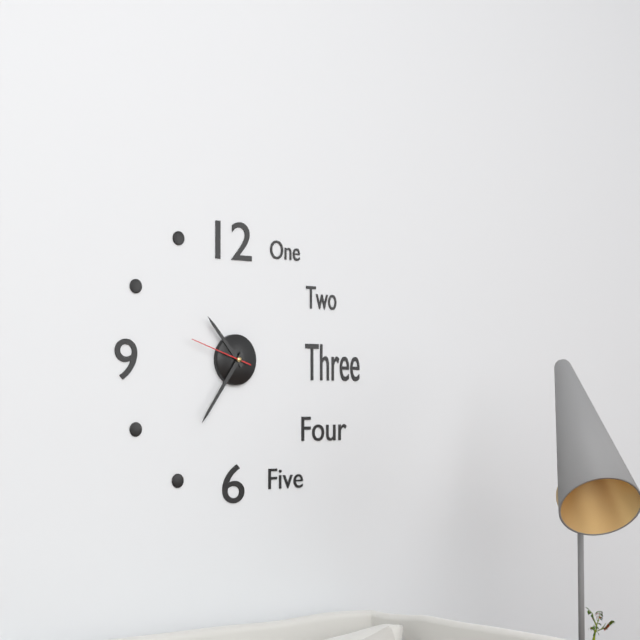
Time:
**10:36:48**
